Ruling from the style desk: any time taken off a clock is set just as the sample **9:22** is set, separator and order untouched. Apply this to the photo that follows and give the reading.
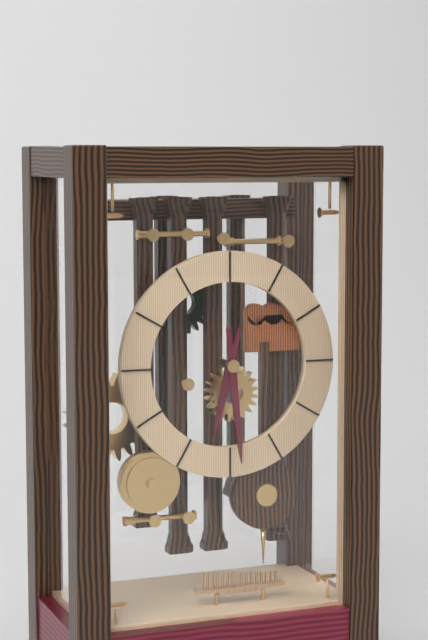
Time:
**6:29**
